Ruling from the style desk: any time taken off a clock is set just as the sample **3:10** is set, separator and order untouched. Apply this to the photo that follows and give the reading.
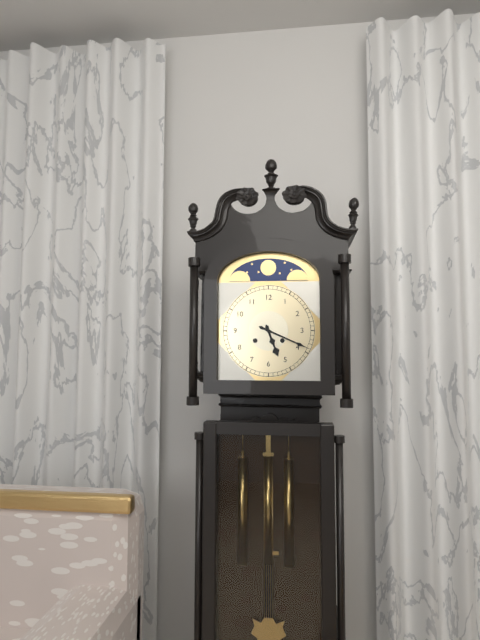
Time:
**5:19**
